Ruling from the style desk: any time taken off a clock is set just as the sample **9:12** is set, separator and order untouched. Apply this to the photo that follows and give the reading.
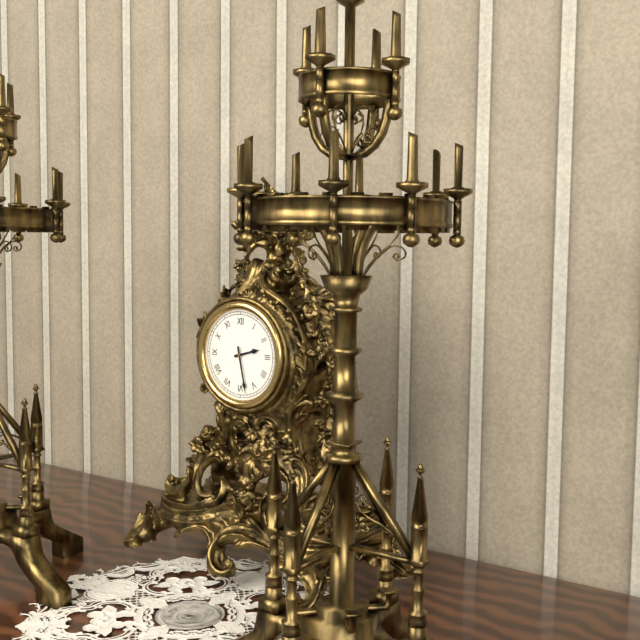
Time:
**2:28**
